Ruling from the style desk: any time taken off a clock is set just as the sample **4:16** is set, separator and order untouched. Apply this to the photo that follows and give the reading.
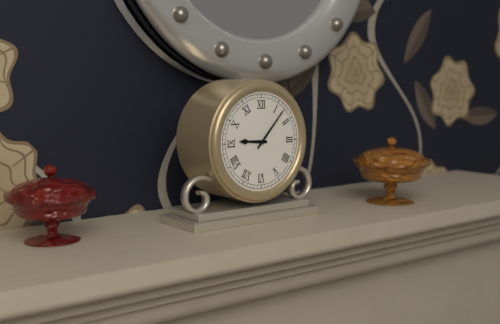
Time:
**9:07**
